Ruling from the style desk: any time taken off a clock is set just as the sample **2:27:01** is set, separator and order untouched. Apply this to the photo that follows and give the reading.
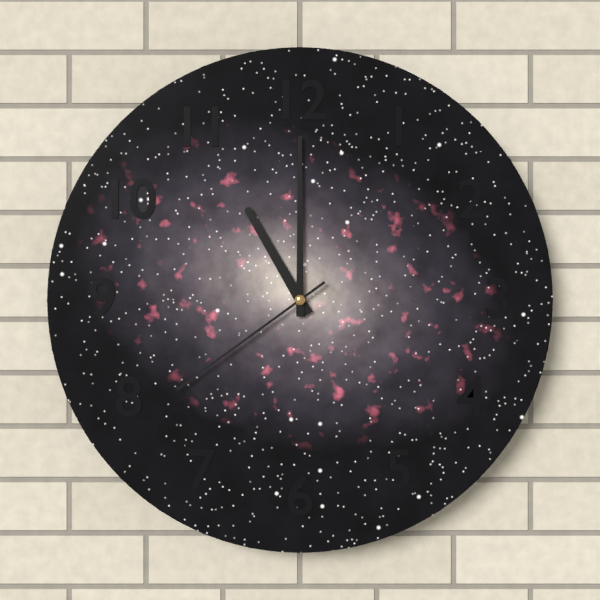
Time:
**11:00:39**
